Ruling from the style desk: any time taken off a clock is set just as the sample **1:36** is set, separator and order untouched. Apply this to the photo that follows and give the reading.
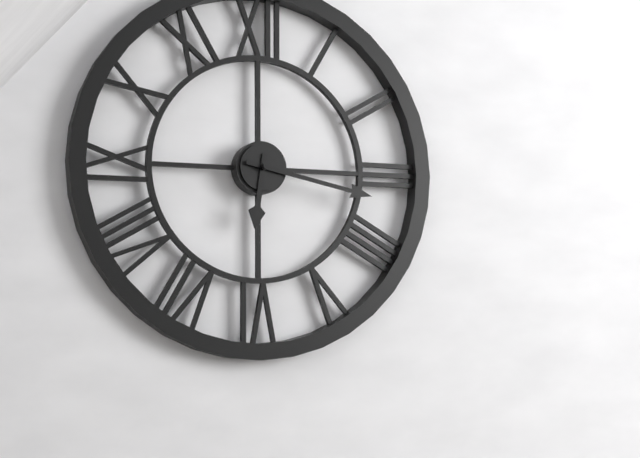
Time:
**6:17**
